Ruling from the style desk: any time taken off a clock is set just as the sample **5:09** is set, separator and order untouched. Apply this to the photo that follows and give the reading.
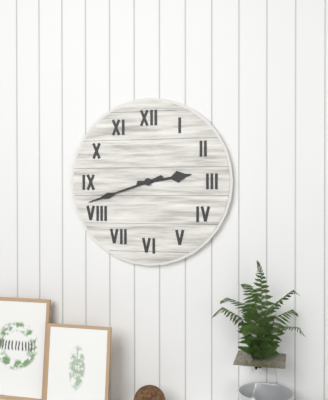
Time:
**2:42**
